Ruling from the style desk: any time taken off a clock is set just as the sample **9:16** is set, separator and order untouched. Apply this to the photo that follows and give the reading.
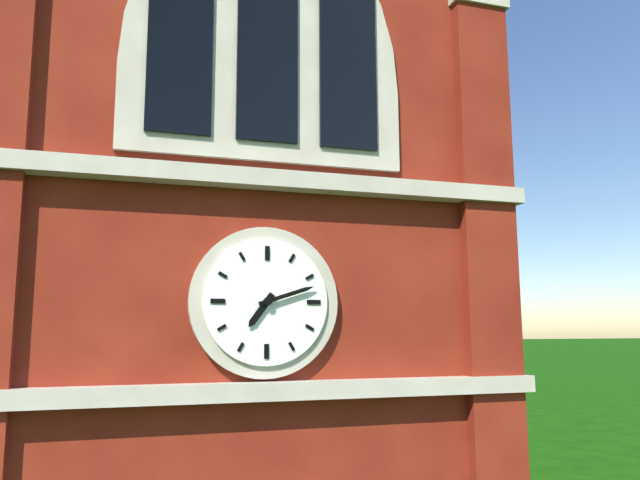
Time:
**7:12**
